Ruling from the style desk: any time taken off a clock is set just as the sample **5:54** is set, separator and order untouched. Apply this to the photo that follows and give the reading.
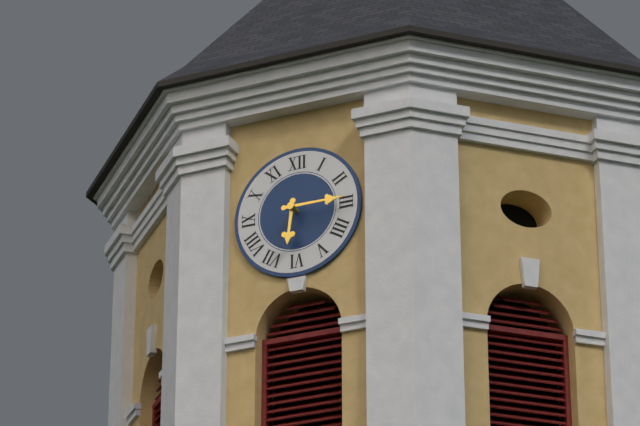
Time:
**6:15**
